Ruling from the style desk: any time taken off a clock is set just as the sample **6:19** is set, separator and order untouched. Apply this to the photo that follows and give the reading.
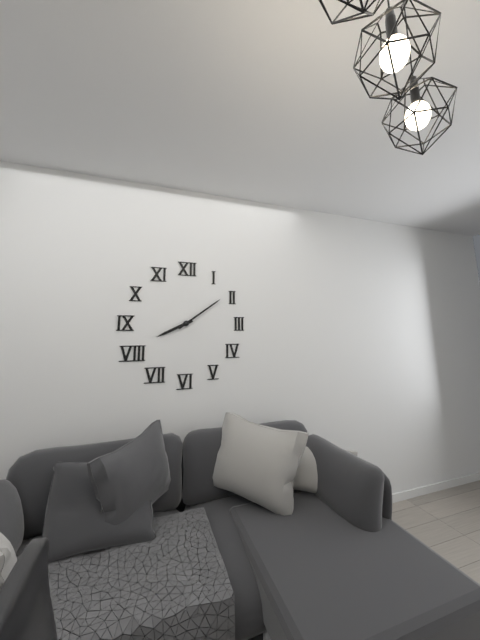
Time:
**8:09**
